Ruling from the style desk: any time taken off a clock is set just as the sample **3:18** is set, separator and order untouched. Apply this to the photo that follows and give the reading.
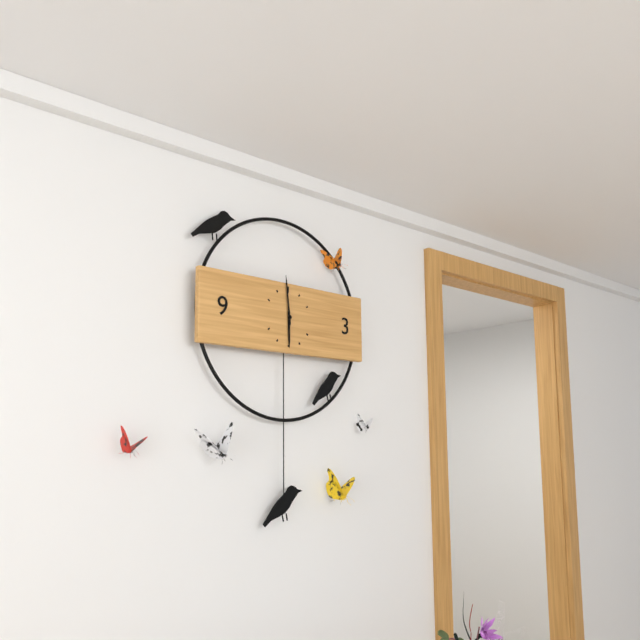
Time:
**5:59**
